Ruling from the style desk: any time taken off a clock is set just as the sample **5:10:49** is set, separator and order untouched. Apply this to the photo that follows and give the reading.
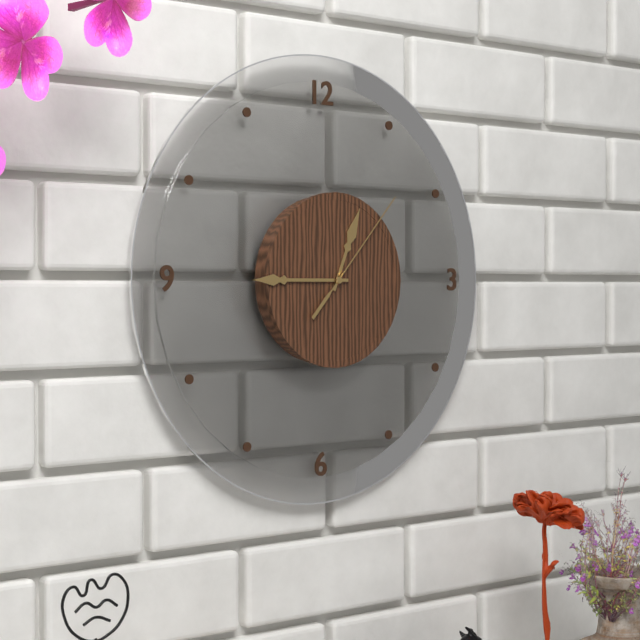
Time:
**12:45:07**
